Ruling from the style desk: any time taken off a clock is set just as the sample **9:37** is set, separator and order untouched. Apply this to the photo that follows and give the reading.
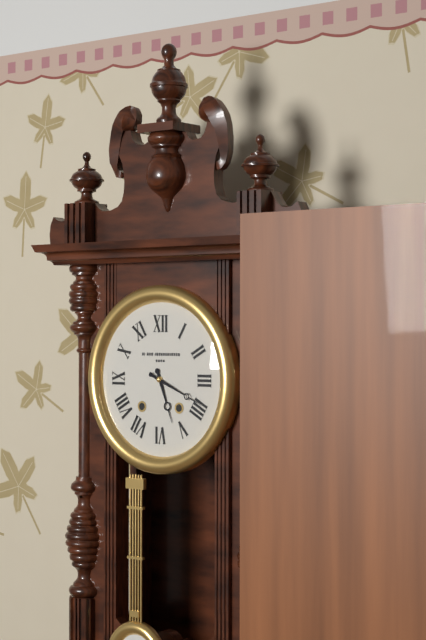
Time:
**5:19**
